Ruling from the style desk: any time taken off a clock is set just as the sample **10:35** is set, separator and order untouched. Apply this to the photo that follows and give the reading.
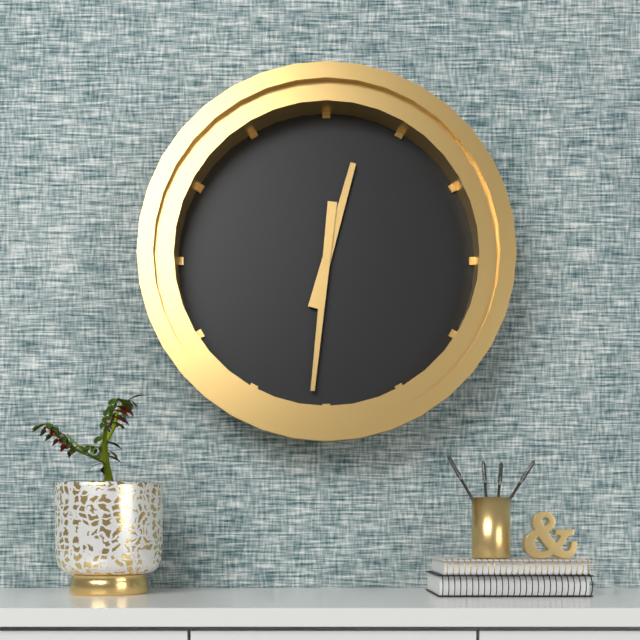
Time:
**12:31**
